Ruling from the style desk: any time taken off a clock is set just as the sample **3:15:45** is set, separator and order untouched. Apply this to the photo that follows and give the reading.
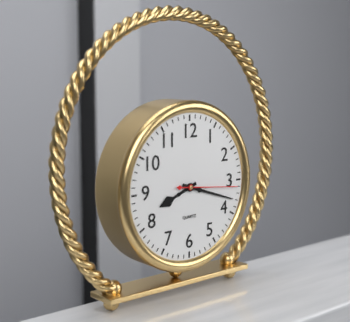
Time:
**8:18:16**
